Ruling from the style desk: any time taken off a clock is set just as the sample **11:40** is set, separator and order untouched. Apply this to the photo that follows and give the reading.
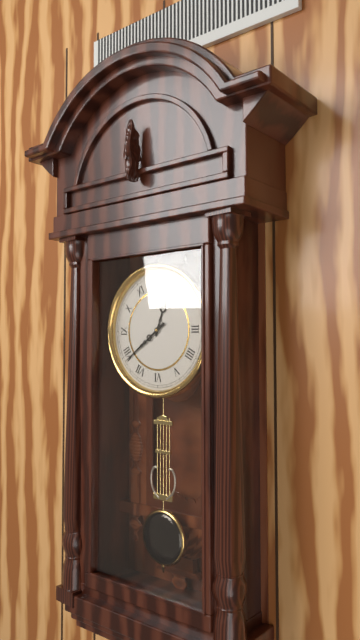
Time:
**12:39**
